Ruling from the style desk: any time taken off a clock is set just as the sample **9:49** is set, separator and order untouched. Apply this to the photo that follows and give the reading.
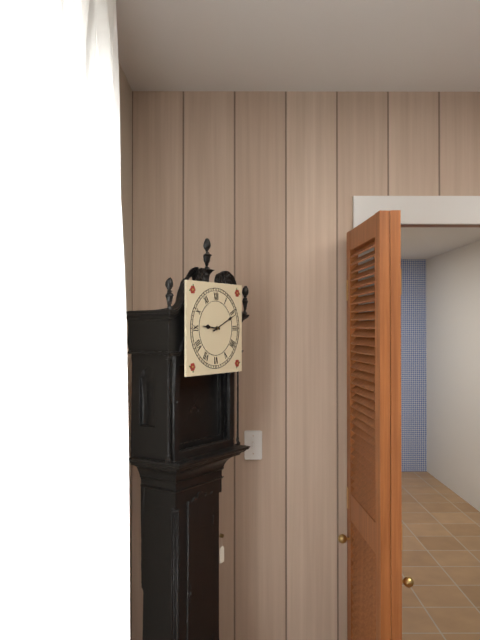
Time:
**9:11**
